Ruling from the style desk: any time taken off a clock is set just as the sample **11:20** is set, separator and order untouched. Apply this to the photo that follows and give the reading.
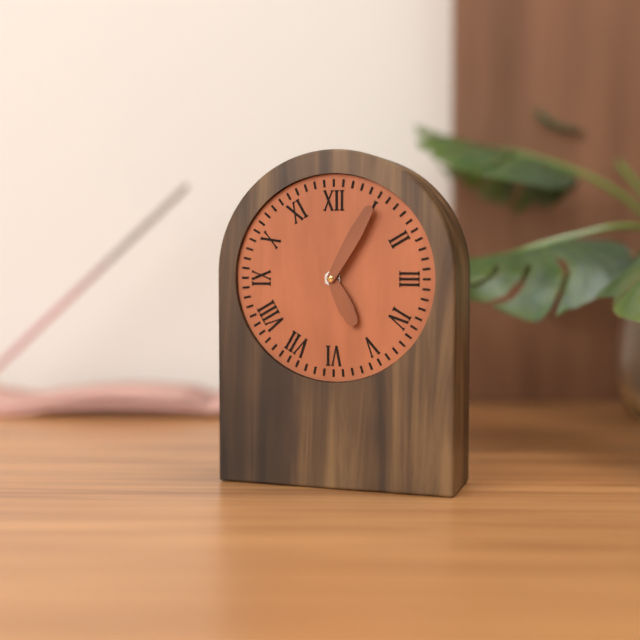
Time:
**5:05**
